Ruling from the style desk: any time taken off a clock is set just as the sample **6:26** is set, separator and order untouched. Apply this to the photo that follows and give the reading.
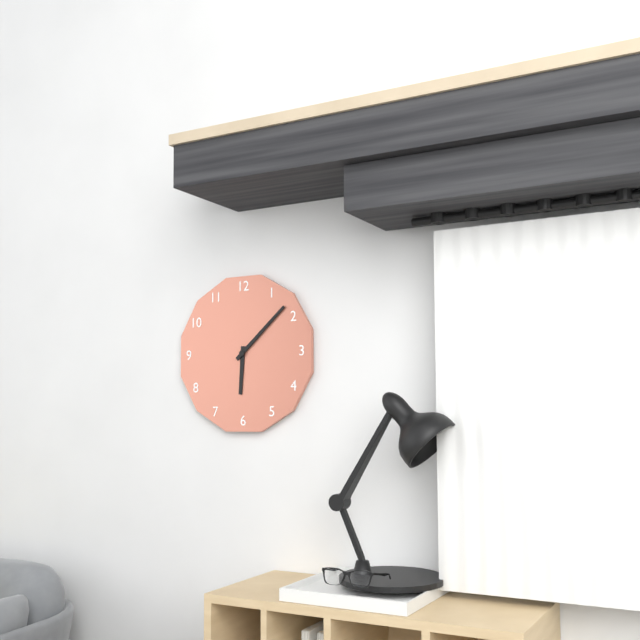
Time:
**6:08**
